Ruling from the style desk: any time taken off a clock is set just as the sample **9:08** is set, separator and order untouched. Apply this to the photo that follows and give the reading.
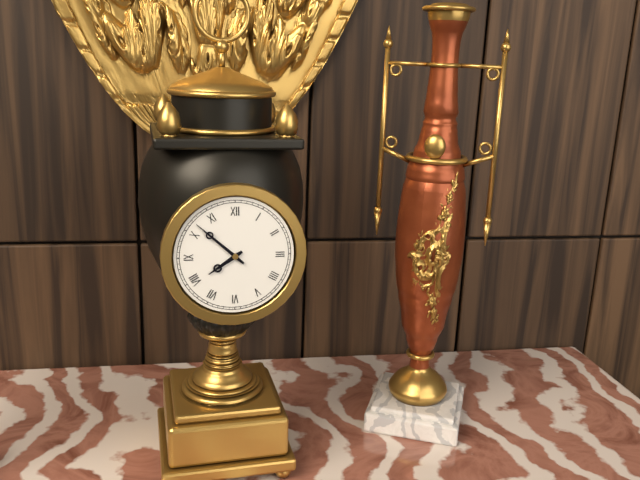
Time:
**7:52**
